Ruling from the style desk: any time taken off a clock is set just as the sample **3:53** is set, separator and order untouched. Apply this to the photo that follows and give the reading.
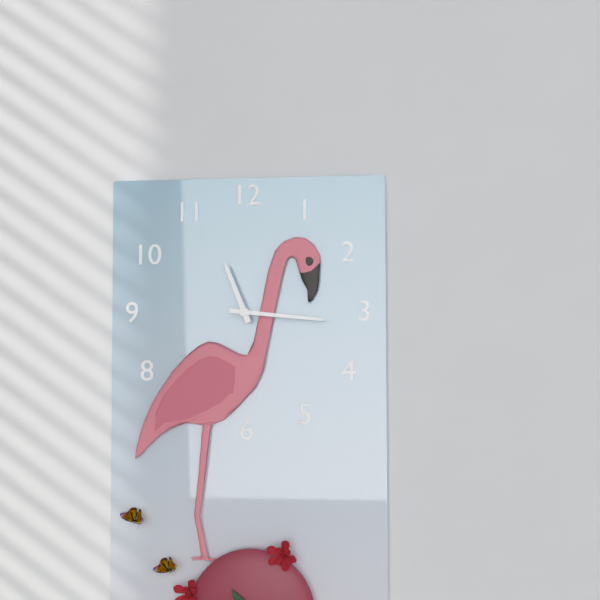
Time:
**11:16**
